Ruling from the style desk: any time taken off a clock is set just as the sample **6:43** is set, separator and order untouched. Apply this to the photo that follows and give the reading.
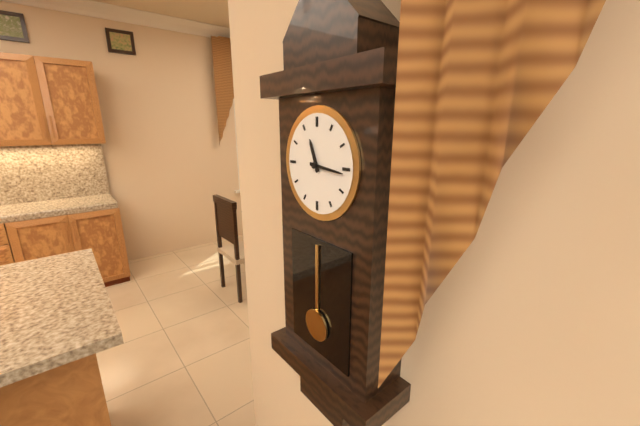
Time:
**11:16**
